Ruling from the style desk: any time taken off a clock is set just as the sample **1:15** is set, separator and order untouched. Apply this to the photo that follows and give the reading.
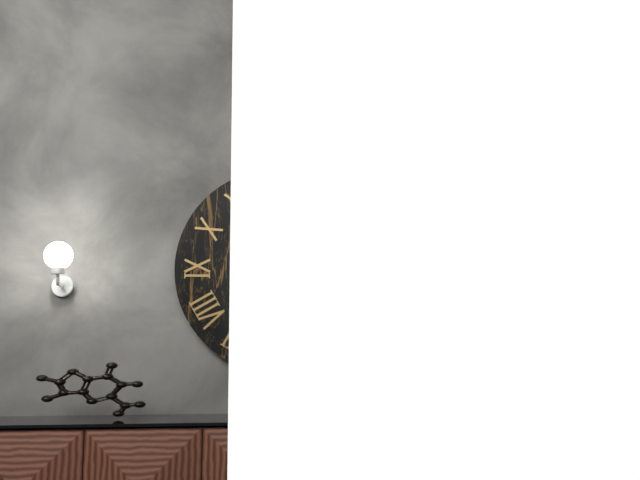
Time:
**7:09**
